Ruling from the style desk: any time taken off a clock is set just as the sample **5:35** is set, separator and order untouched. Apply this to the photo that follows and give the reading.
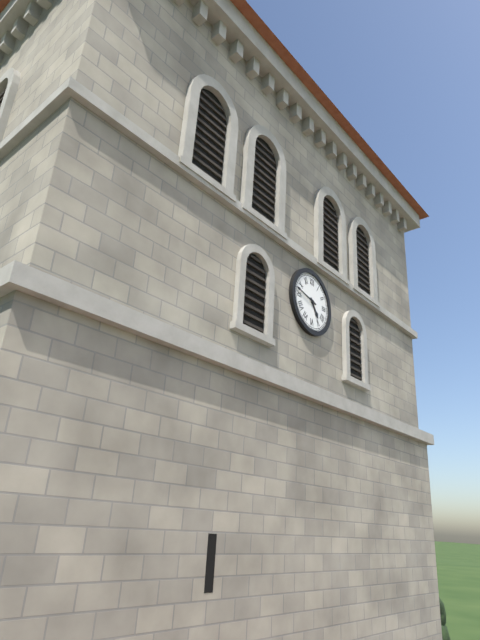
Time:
**4:47**
